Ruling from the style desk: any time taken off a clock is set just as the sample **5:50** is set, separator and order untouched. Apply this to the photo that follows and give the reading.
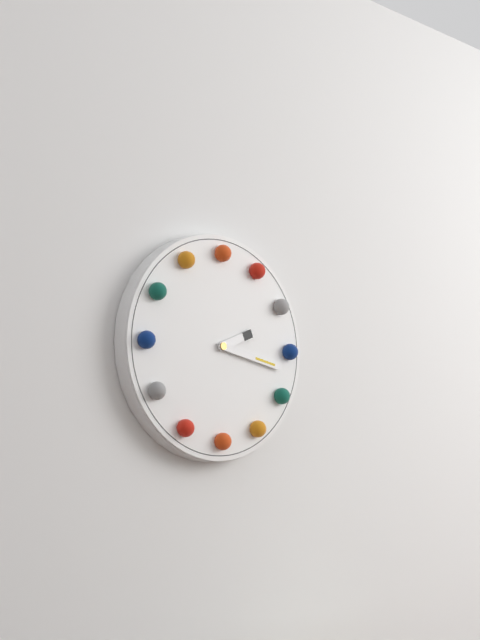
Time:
**2:17**
